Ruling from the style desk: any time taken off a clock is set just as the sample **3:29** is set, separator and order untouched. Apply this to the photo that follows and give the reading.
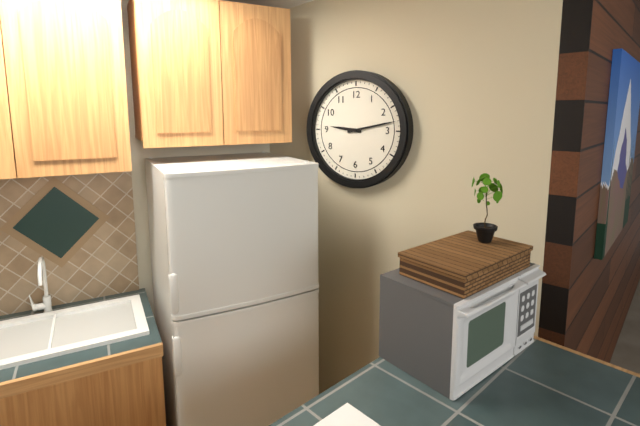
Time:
**9:13**
